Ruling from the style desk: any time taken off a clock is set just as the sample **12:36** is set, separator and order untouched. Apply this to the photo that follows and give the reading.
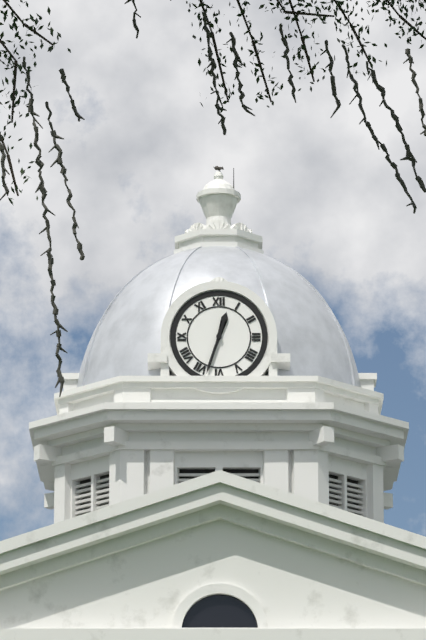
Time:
**12:33**
